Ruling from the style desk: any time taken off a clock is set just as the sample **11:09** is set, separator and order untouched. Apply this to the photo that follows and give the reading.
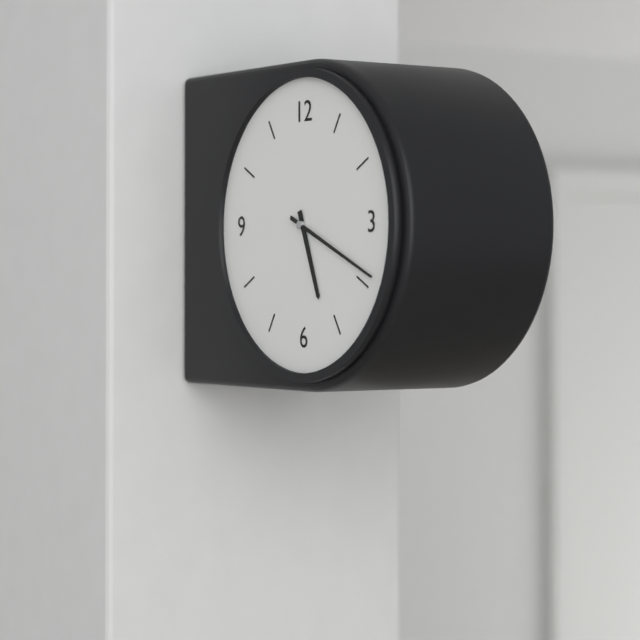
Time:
**5:19**
